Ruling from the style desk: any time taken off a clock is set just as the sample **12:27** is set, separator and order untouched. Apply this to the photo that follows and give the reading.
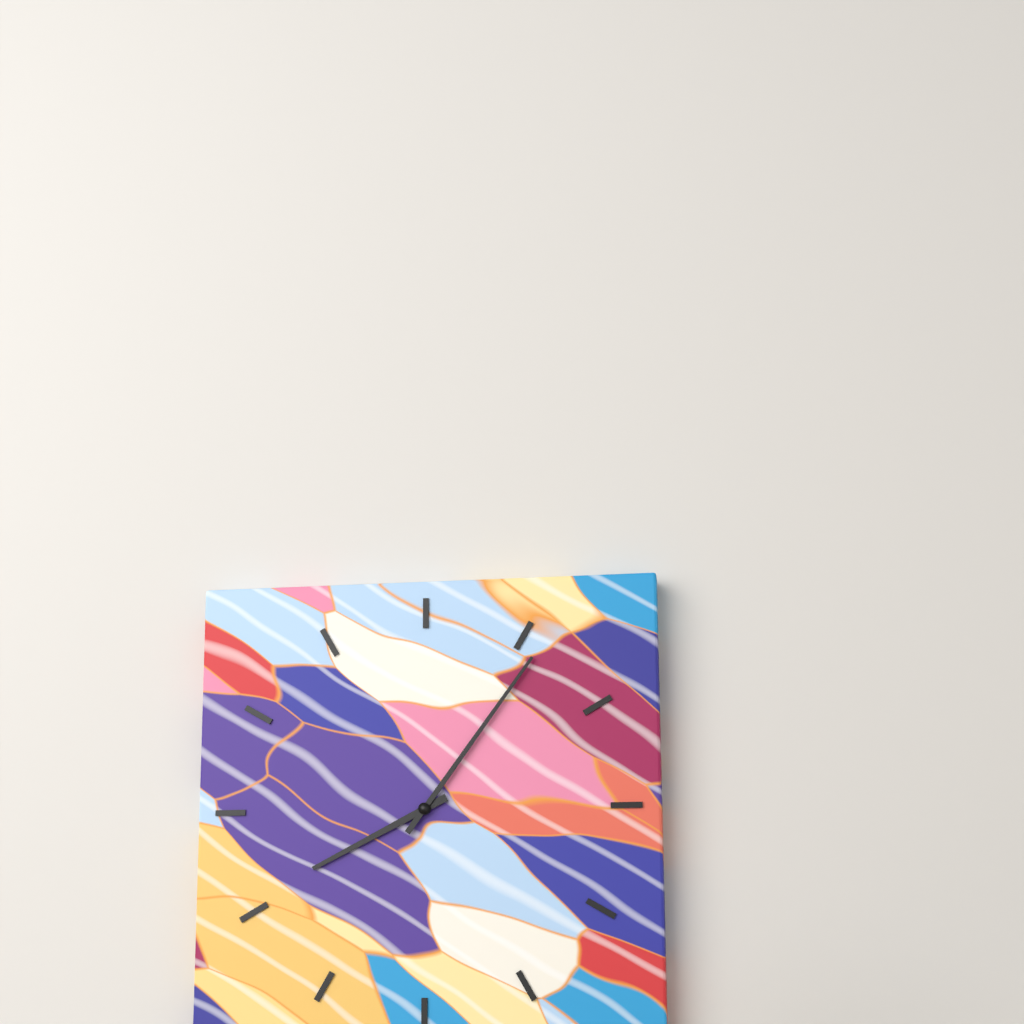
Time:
**8:06**
